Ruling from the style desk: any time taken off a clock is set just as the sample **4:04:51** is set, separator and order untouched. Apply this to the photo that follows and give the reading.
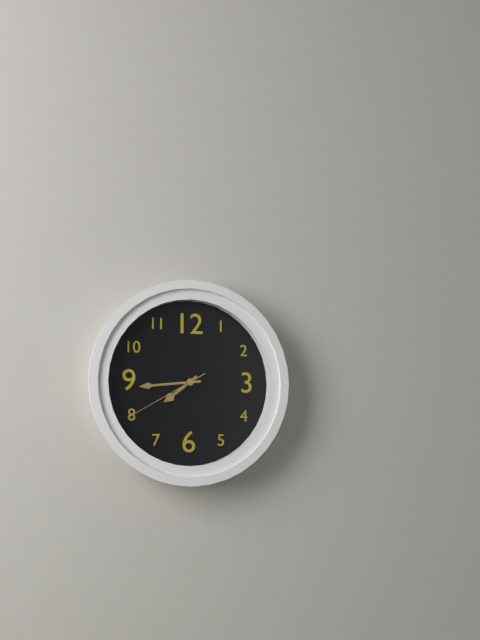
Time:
**7:44:40**
